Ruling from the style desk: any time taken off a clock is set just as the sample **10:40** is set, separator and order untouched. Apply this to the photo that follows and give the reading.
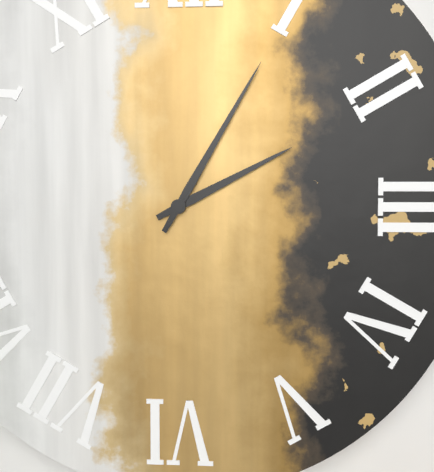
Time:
**2:05**
